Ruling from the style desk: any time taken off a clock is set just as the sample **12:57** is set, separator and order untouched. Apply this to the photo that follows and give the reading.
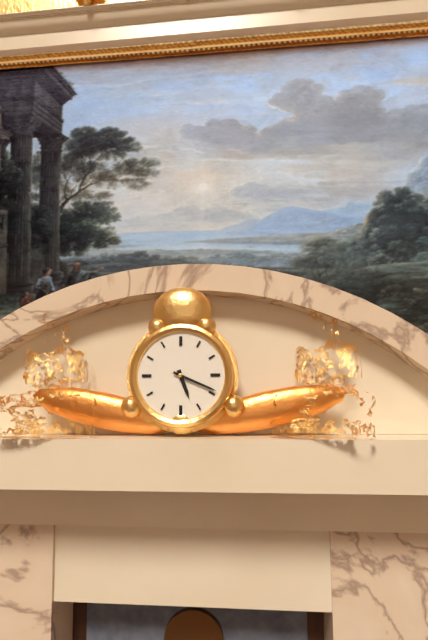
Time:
**5:19**
